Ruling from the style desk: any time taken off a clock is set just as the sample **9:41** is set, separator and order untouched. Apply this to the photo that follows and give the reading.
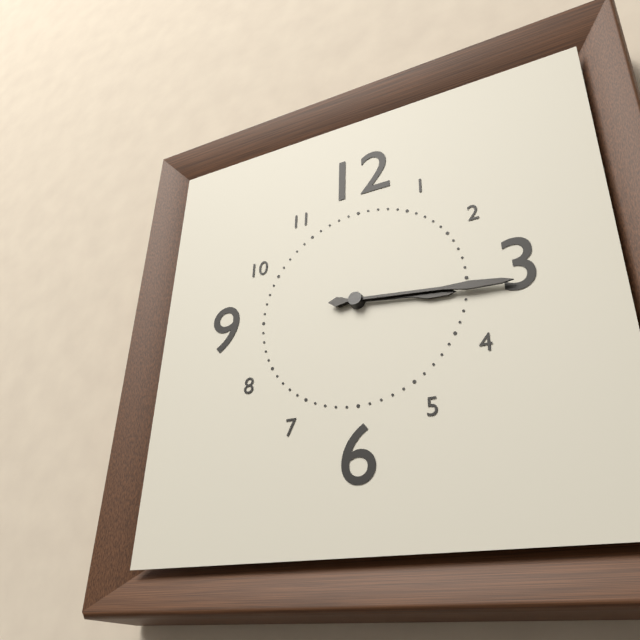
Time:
**3:16**
